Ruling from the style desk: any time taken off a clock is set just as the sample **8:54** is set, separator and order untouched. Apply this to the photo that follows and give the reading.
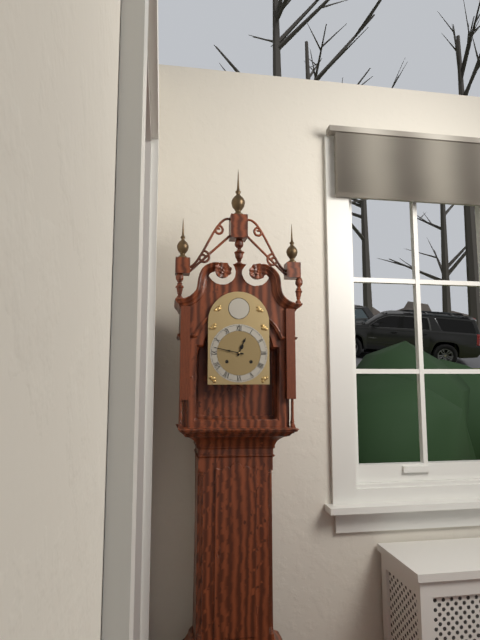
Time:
**12:47**
